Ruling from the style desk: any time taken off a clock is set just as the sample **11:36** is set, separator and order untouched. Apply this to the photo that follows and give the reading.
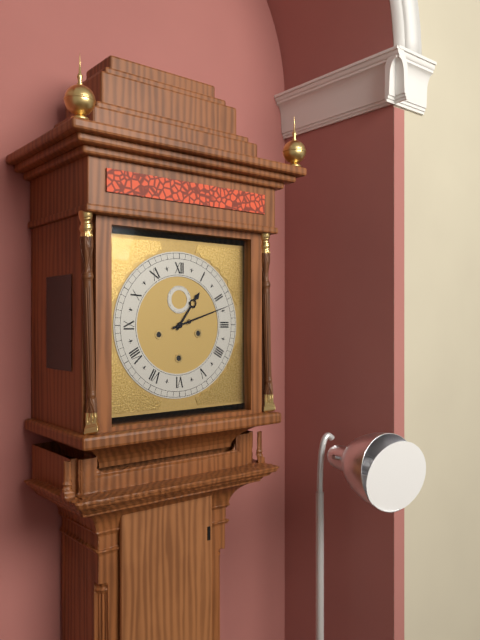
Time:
**1:12**
